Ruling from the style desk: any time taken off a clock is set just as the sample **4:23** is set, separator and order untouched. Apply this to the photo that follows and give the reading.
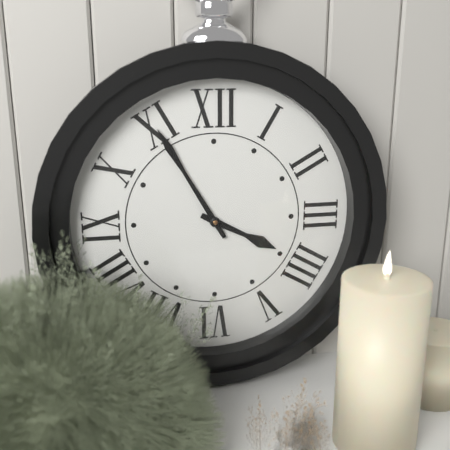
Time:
**3:55**
